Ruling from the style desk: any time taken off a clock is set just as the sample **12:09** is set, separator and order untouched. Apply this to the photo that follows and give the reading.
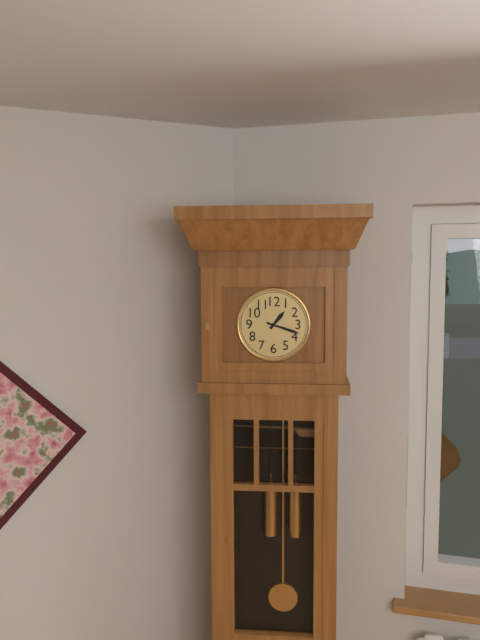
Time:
**1:18**
